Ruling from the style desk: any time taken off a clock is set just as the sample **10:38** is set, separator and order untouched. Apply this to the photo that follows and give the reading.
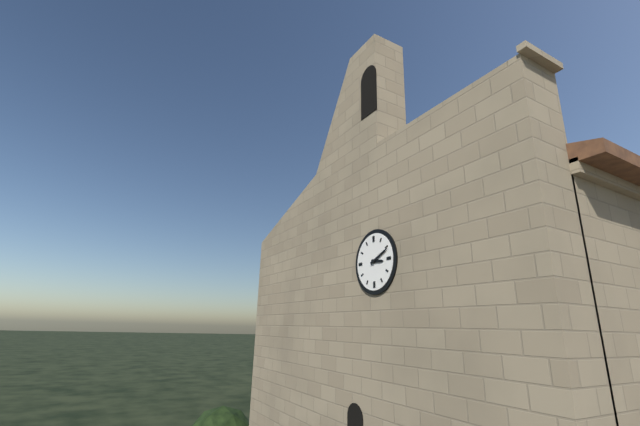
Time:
**3:11**
